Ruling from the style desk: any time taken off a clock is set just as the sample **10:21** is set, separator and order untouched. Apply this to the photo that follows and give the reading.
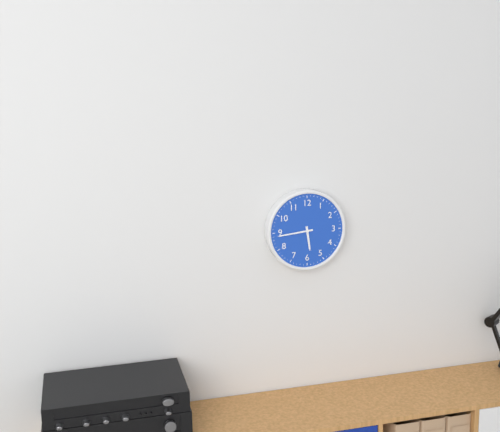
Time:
**5:44**
